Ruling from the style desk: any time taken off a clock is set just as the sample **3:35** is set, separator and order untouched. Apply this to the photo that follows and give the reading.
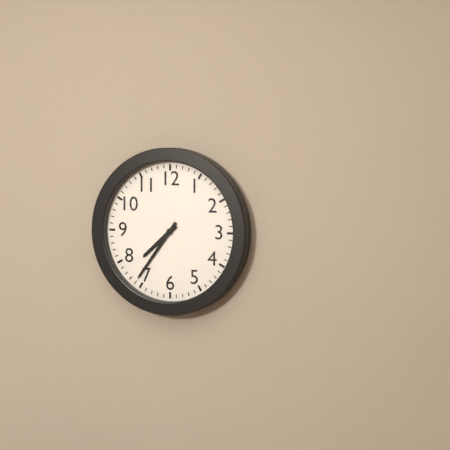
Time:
**7:36**
